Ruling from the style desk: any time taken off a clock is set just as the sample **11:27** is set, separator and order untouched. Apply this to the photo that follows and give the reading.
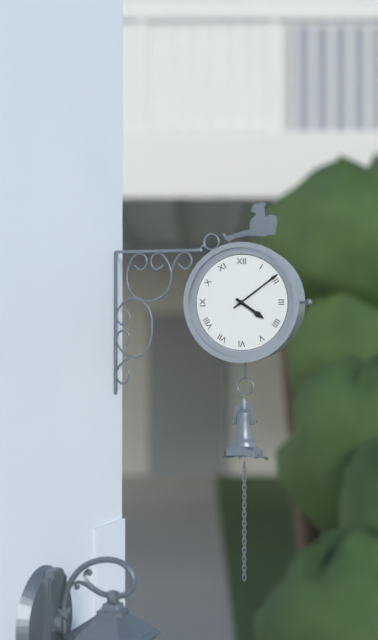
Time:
**4:09**
